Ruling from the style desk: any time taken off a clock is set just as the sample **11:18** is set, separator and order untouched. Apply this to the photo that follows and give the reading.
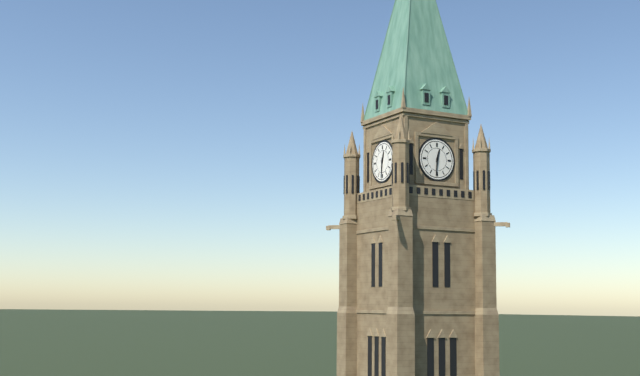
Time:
**12:31**
